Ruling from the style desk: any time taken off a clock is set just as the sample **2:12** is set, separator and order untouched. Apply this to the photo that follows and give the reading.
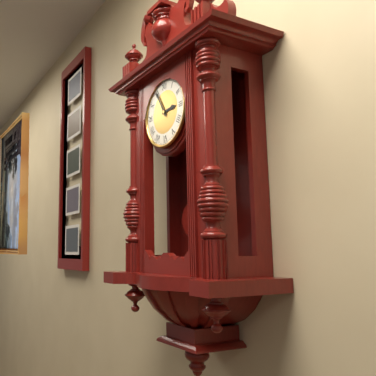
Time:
**2:55**
